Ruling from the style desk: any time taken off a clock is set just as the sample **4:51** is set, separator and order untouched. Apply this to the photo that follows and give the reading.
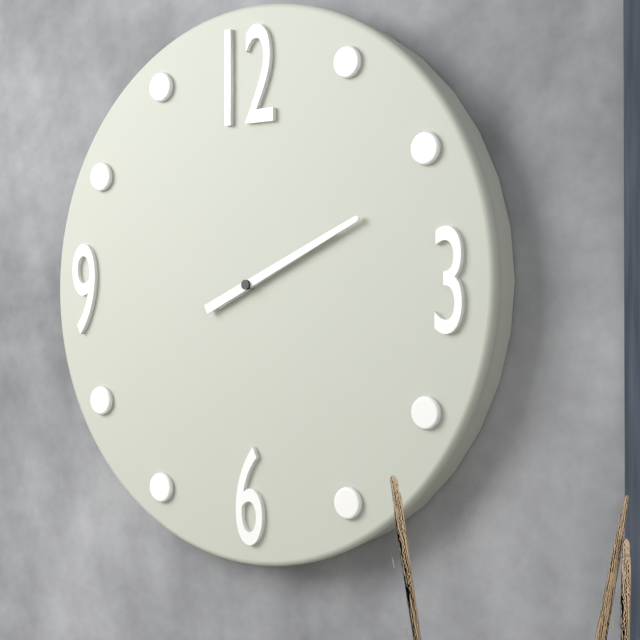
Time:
**2:11**
